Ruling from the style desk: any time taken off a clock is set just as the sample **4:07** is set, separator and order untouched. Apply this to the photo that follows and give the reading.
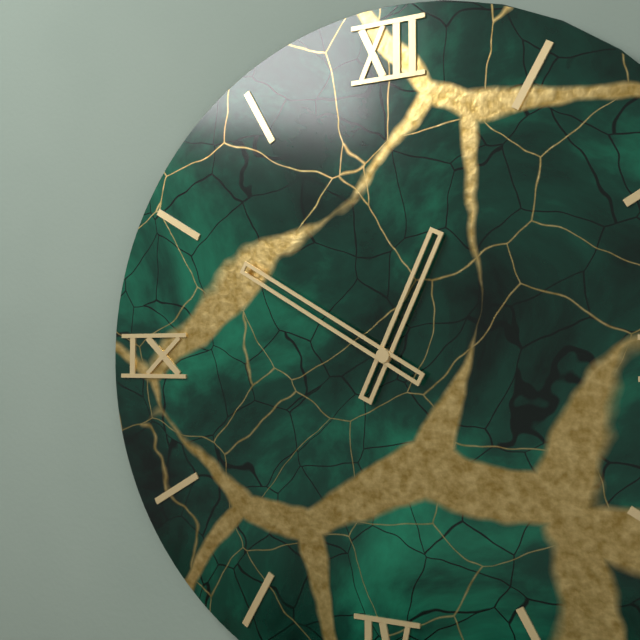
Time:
**12:50**
